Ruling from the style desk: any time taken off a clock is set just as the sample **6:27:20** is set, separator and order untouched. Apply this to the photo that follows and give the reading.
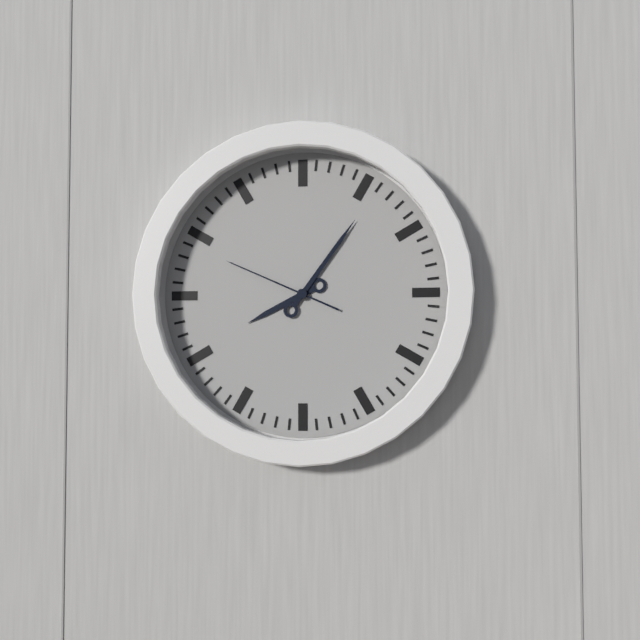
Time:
**8:06:49**
